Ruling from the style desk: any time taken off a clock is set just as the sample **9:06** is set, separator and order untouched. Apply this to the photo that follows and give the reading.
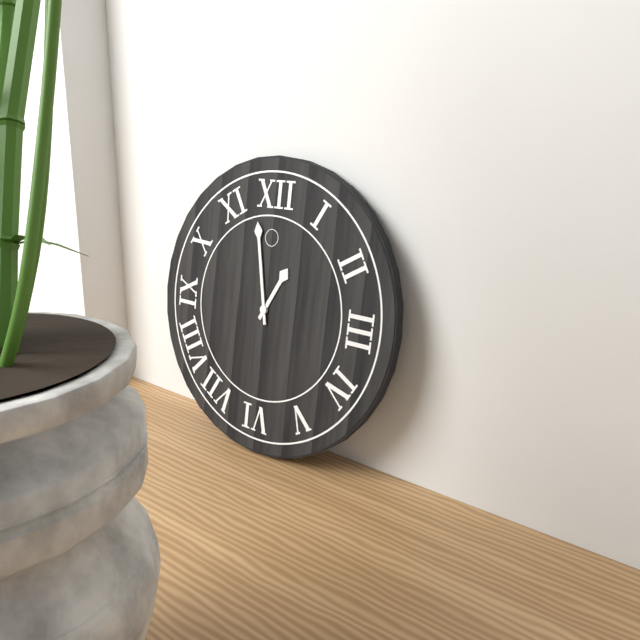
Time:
**12:58**
